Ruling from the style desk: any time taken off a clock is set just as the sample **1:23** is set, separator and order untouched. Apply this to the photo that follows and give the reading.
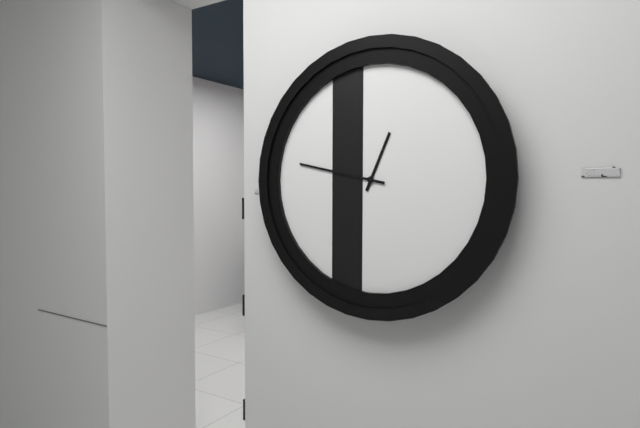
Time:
**12:47**
